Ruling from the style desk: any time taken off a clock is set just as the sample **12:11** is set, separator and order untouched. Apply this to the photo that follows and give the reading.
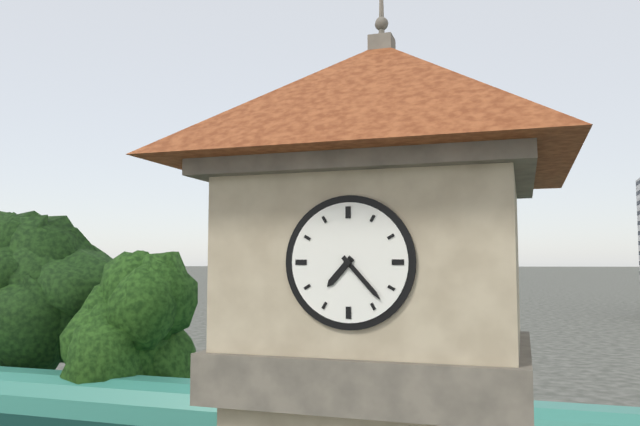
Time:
**7:23**
